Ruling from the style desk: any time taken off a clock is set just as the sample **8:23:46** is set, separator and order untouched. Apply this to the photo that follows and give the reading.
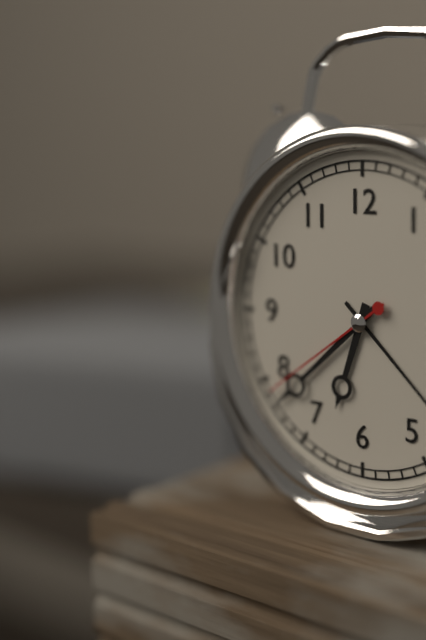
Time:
**6:38:39**
